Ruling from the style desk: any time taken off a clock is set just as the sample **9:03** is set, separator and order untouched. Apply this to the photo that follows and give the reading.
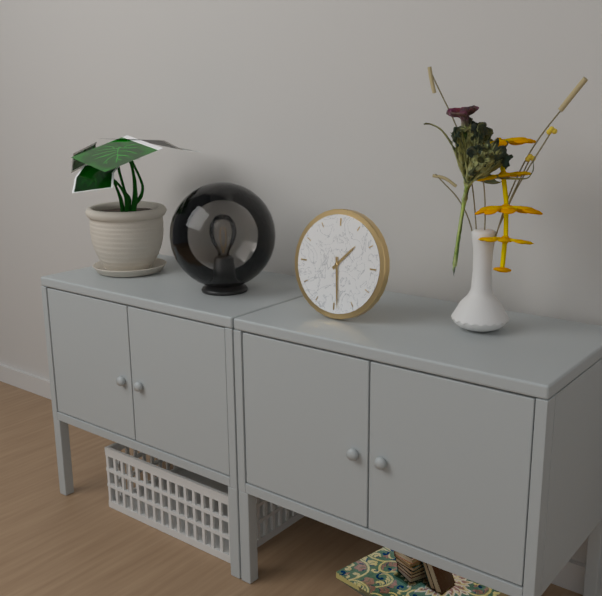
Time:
**1:29**
